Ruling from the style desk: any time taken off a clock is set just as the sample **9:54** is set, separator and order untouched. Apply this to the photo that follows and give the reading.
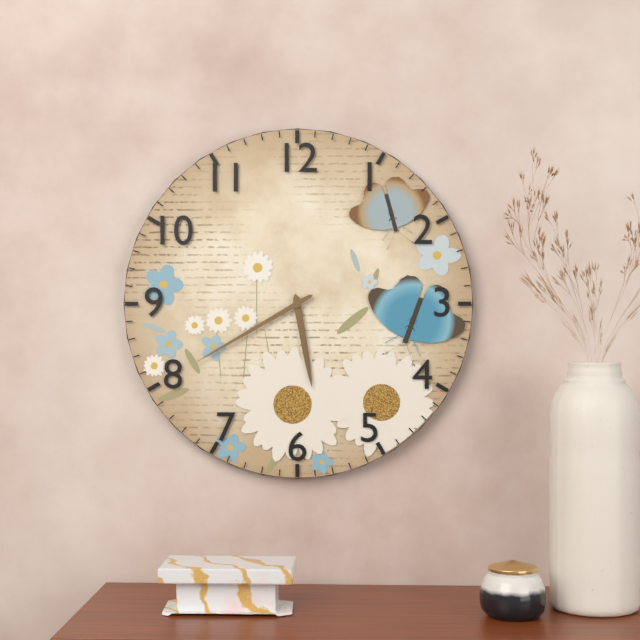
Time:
**5:40**
